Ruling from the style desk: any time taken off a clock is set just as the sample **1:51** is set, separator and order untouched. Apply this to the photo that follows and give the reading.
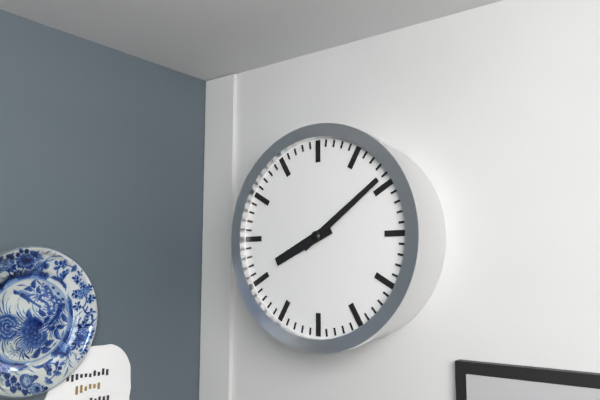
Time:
**8:09**
